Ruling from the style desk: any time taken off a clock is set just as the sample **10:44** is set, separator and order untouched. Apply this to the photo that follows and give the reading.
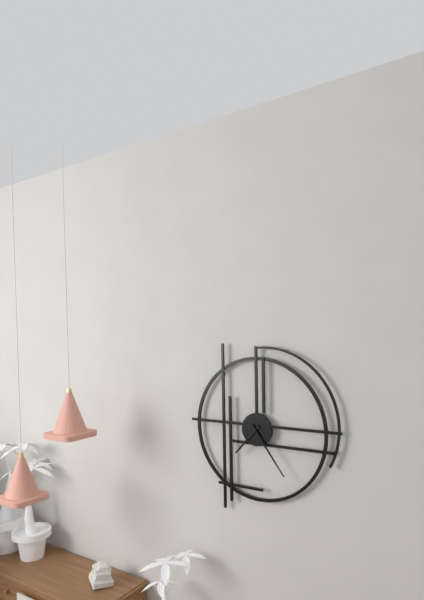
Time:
**7:24**
